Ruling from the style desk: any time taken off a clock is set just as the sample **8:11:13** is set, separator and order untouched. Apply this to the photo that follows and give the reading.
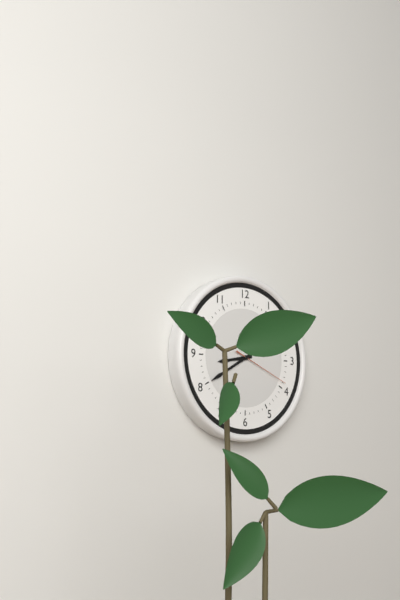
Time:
**8:40:19**
